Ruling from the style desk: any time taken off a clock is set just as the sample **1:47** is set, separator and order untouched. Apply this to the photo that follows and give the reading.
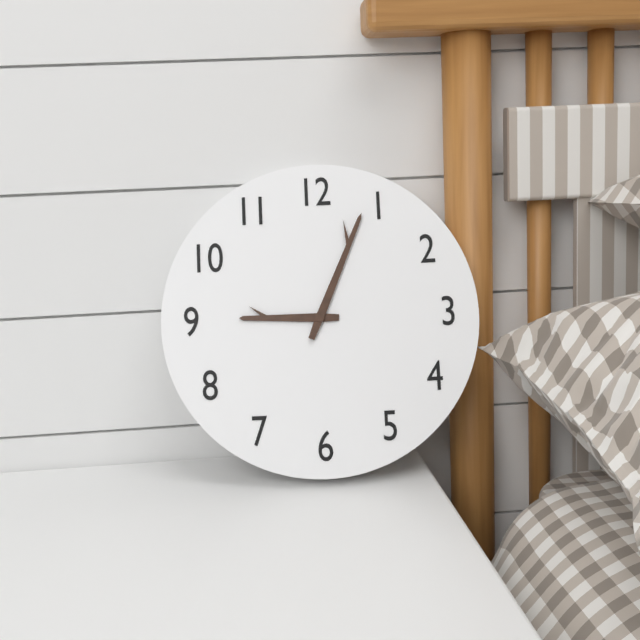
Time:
**9:04**
